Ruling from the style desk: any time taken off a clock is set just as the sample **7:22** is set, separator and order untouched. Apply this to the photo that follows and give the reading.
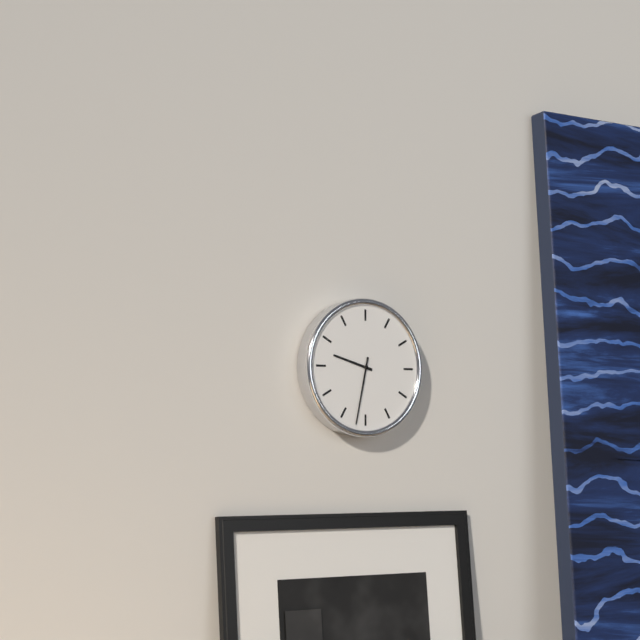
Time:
**9:32**
